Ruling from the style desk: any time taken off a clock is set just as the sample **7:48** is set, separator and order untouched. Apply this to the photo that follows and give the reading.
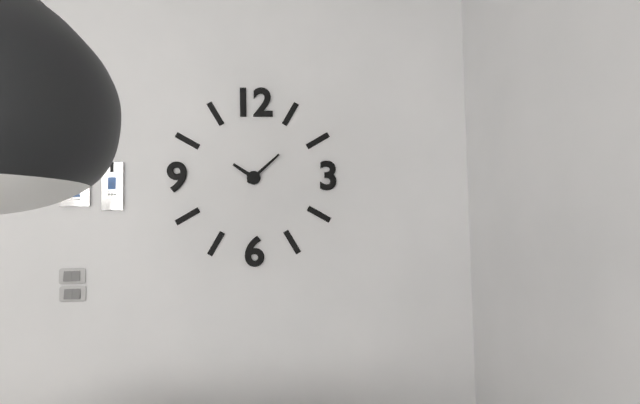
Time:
**10:08**
